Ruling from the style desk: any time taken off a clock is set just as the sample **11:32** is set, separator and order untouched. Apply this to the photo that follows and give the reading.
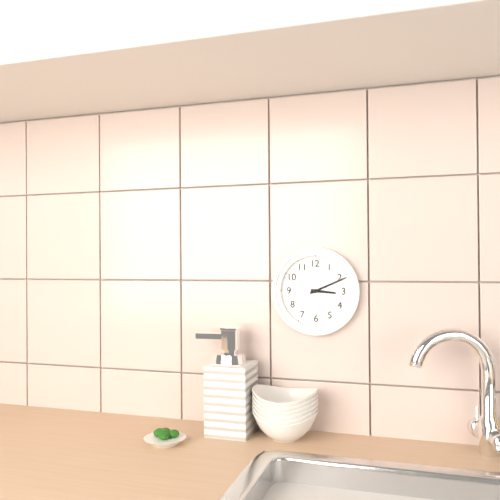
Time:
**3:11**
